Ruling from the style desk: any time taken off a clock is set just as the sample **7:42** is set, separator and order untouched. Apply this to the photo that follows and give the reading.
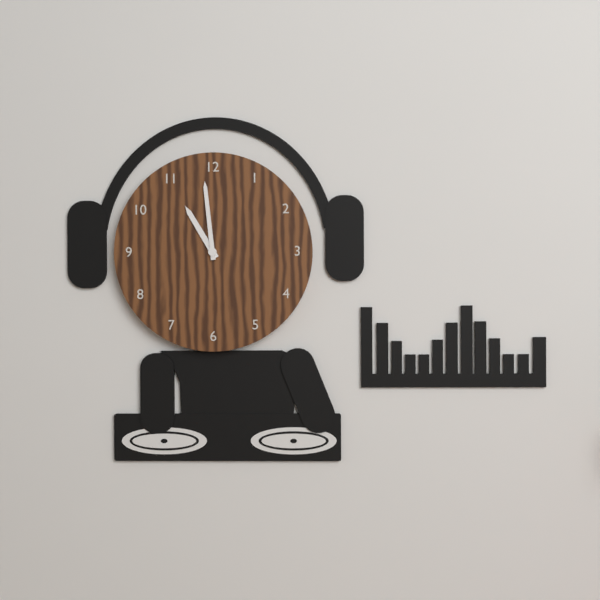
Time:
**10:59**
